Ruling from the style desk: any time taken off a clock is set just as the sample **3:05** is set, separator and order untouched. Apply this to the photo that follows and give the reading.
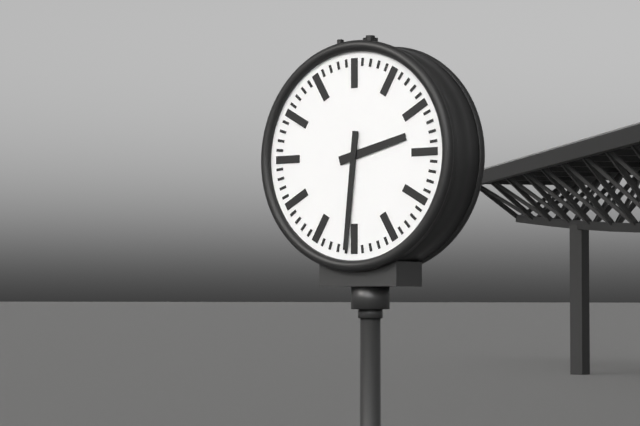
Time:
**2:31**
